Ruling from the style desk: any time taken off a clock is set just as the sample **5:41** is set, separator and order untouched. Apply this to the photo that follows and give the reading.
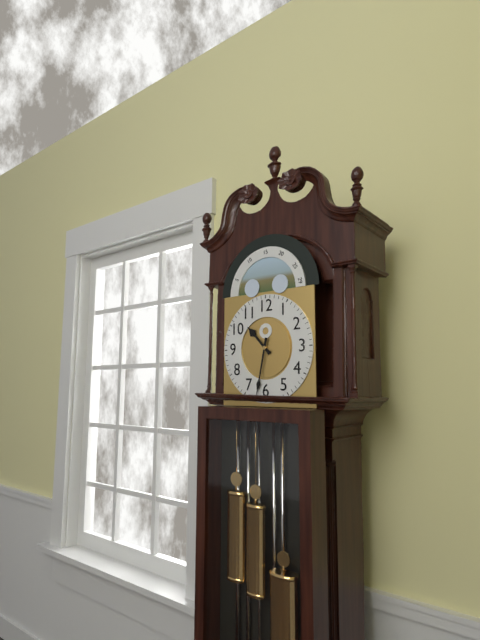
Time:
**10:32**
